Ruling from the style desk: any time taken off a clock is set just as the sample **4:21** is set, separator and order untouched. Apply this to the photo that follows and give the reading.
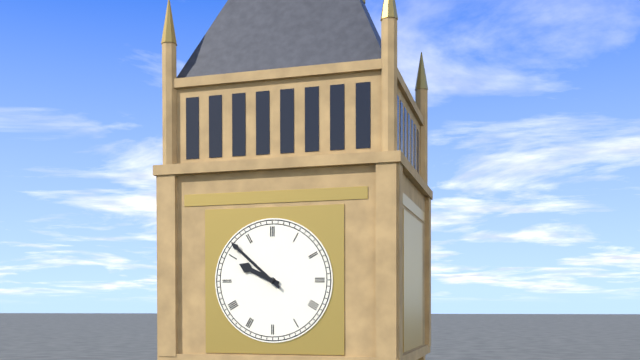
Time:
**9:52**
